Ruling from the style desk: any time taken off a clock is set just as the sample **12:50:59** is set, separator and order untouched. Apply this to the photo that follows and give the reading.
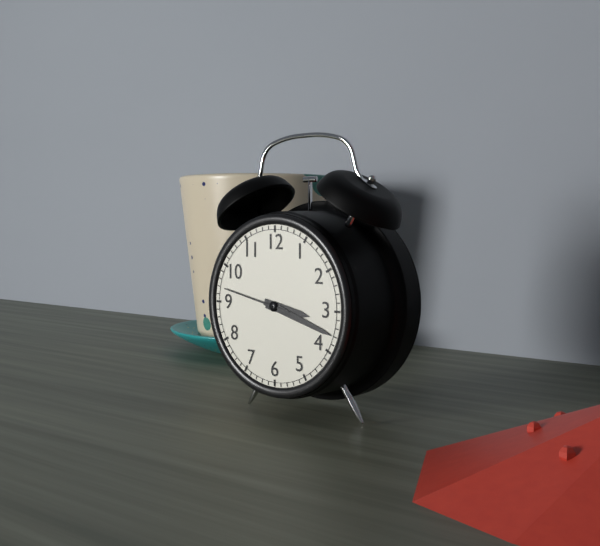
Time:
**3:18:47**
